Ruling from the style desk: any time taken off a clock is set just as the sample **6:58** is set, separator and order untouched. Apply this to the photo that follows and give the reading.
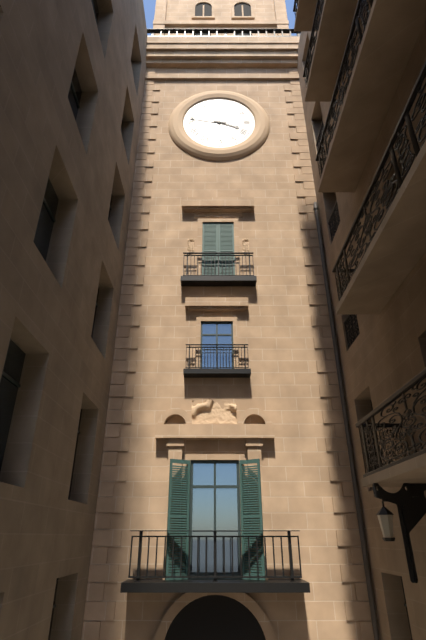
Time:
**3:47**
